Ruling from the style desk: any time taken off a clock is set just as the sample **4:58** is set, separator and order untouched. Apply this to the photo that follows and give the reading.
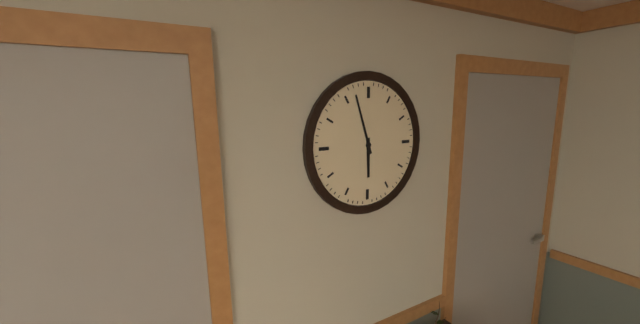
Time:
**5:57**
